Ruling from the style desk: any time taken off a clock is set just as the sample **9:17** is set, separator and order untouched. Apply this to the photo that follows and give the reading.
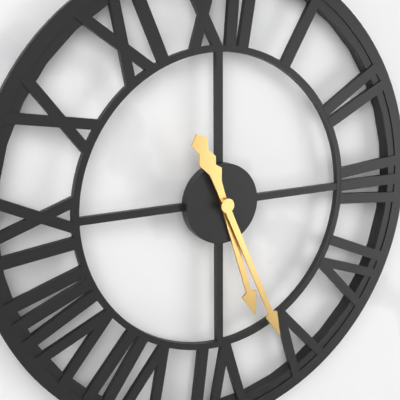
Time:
**5:26**
